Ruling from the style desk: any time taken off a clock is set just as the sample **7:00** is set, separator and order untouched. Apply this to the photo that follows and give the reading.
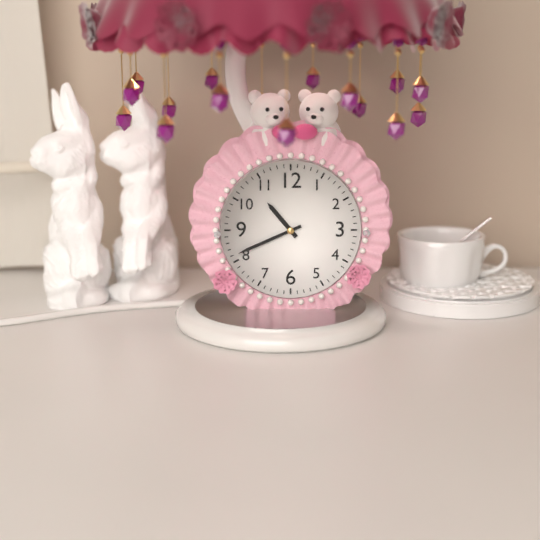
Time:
**10:41**
